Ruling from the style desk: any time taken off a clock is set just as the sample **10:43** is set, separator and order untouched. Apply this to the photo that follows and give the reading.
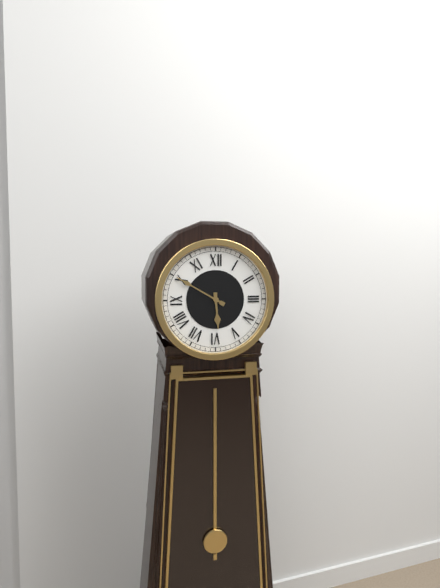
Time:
**5:50**
